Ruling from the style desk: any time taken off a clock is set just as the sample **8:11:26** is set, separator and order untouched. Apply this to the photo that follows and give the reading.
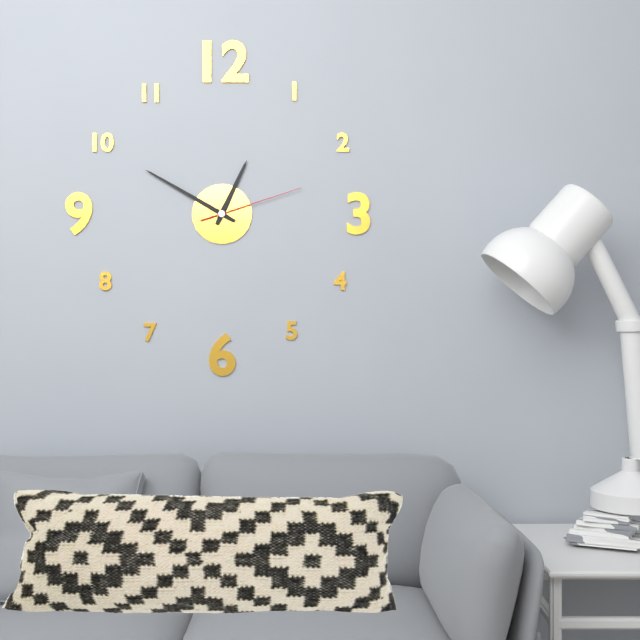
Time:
**12:50:12**
